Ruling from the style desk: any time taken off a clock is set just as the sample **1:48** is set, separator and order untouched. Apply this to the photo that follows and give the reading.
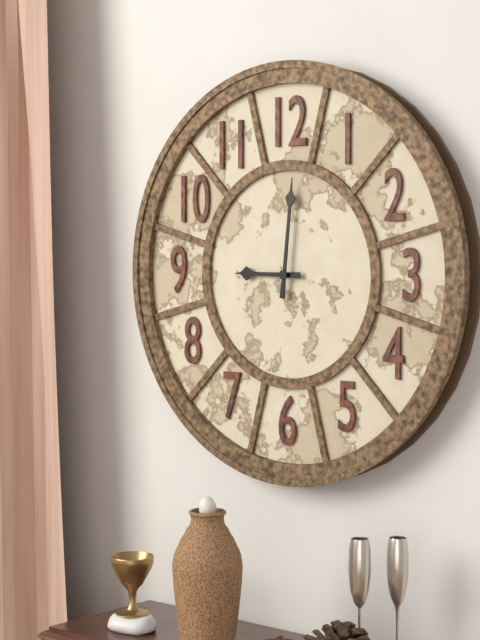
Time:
**9:01**
